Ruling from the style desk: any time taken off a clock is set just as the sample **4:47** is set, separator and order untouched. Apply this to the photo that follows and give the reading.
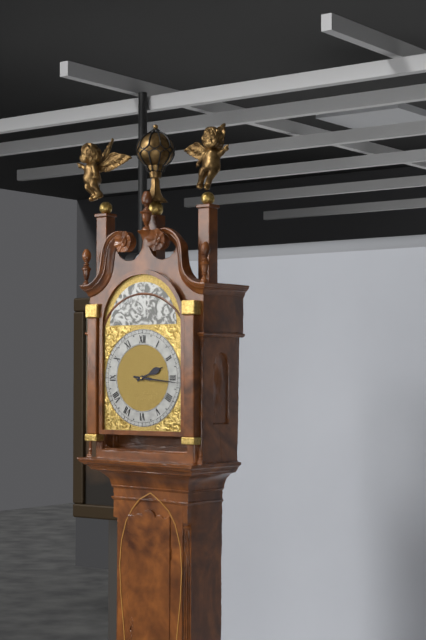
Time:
**2:16**
